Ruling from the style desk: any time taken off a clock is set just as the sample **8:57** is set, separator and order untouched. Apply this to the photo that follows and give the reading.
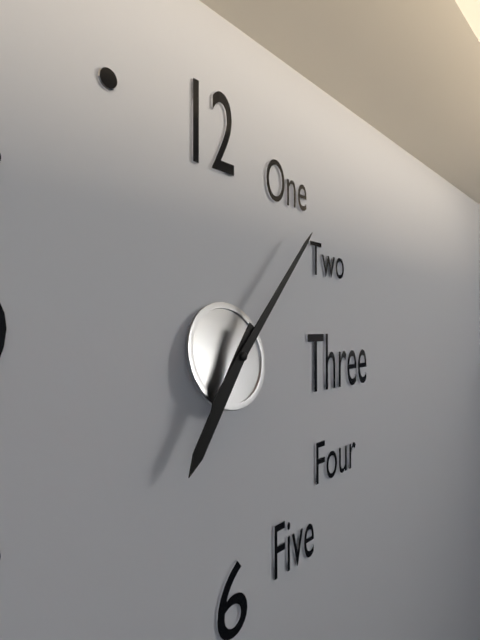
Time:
**7:07**
